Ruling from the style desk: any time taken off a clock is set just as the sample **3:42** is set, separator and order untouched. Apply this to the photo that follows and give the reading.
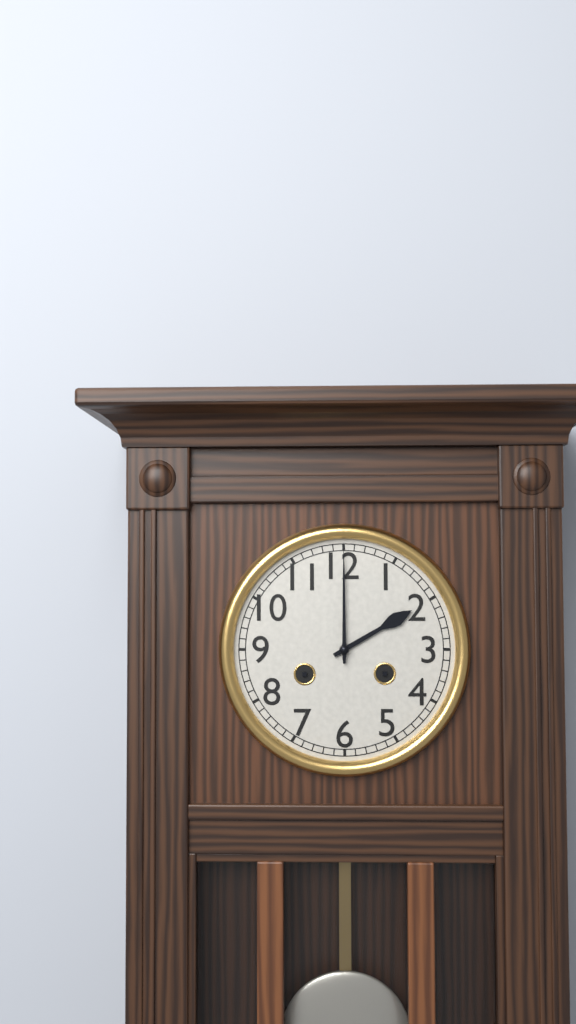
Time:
**2:00**
